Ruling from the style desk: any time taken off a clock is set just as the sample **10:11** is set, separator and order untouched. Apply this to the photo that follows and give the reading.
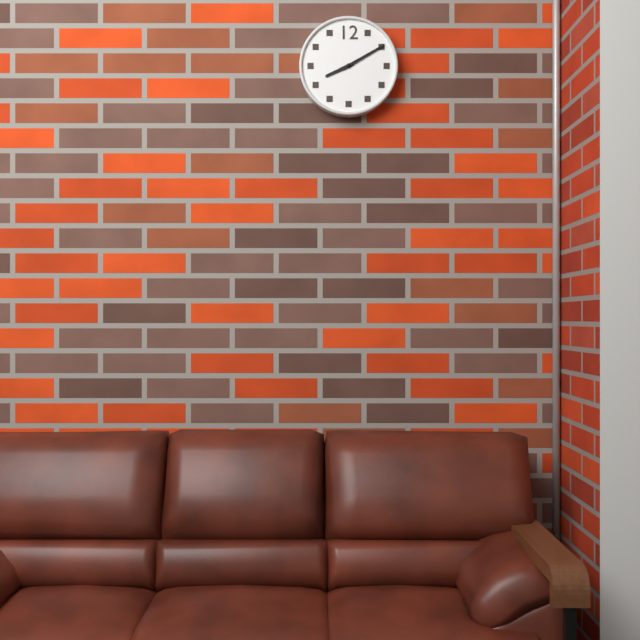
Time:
**8:10**
